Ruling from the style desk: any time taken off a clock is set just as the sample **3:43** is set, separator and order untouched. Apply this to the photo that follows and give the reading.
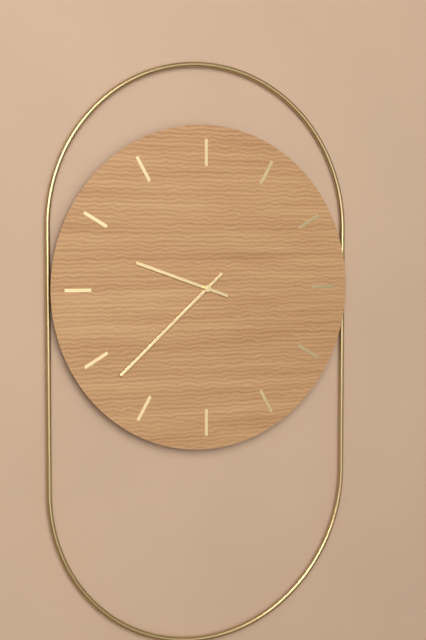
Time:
**9:38**
